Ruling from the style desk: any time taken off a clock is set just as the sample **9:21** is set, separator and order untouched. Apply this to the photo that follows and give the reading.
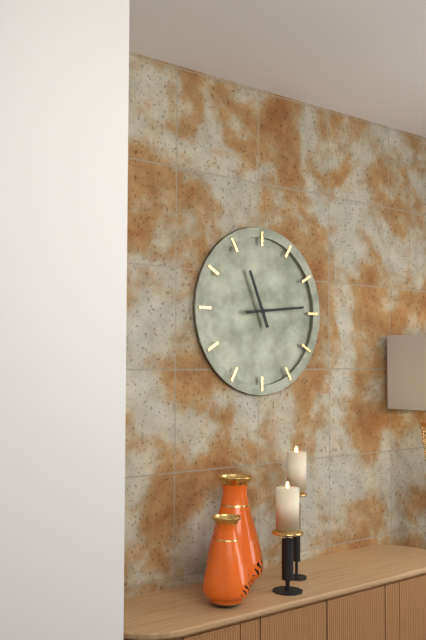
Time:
**11:14**
